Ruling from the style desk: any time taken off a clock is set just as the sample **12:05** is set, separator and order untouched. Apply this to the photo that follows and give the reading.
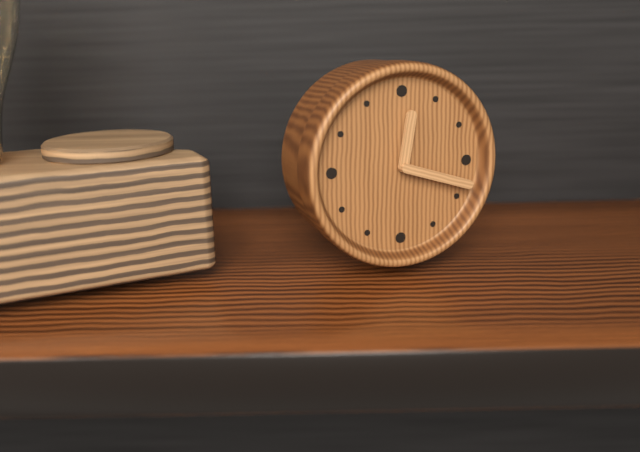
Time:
**12:18**
